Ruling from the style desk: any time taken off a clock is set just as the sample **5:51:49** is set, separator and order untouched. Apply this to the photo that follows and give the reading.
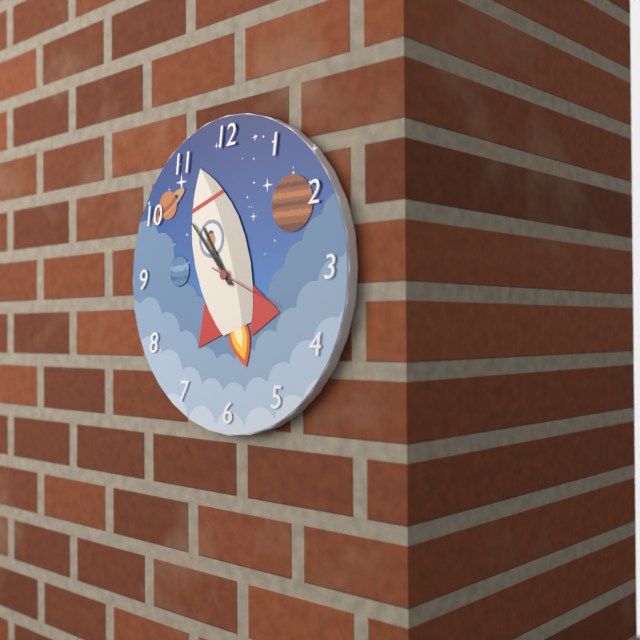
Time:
**10:53:19**
